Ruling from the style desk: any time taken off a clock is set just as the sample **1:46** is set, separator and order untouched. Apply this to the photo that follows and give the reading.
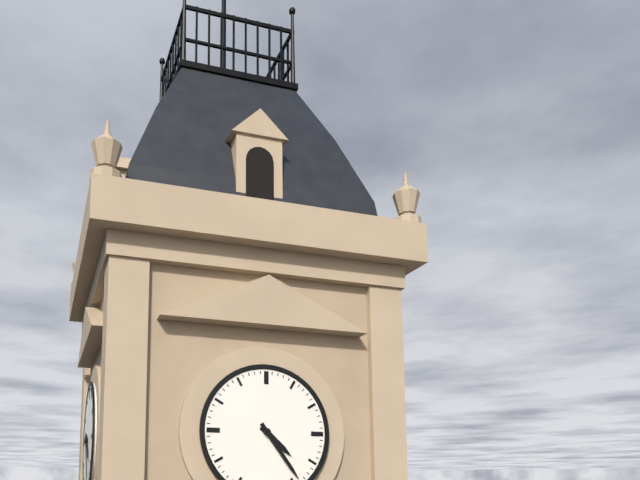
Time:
**4:24**
